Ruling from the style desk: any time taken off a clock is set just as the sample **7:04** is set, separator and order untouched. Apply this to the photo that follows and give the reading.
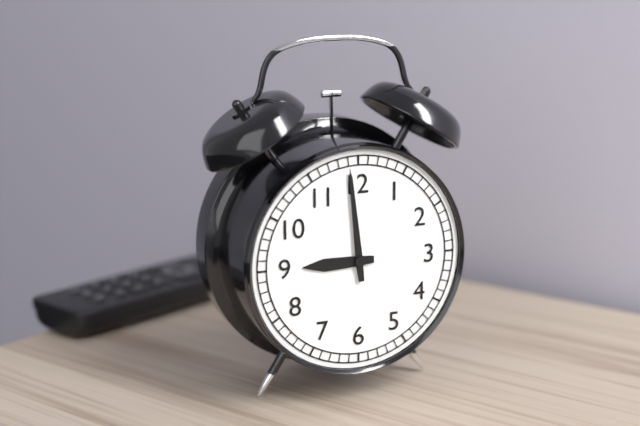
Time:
**8:59**
